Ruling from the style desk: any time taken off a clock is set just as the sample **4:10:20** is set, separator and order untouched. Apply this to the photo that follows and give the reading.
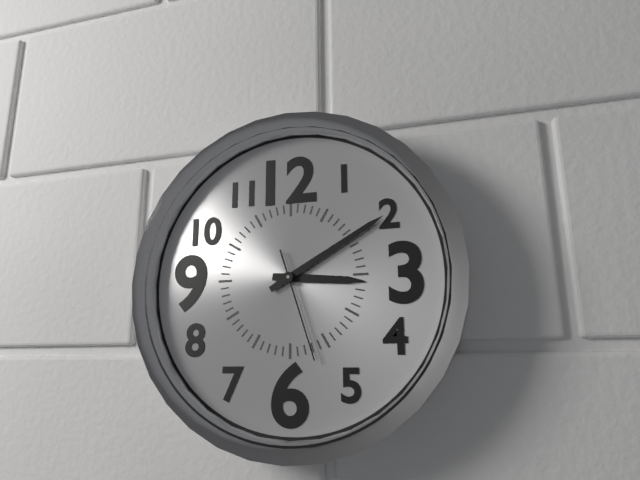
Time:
**3:10:27**
